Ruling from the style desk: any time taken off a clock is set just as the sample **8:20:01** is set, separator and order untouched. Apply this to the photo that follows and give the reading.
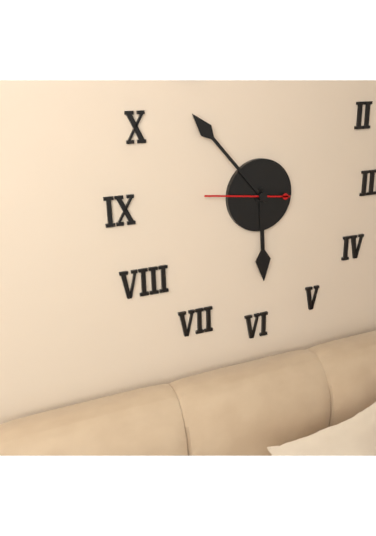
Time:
**5:53:46**
